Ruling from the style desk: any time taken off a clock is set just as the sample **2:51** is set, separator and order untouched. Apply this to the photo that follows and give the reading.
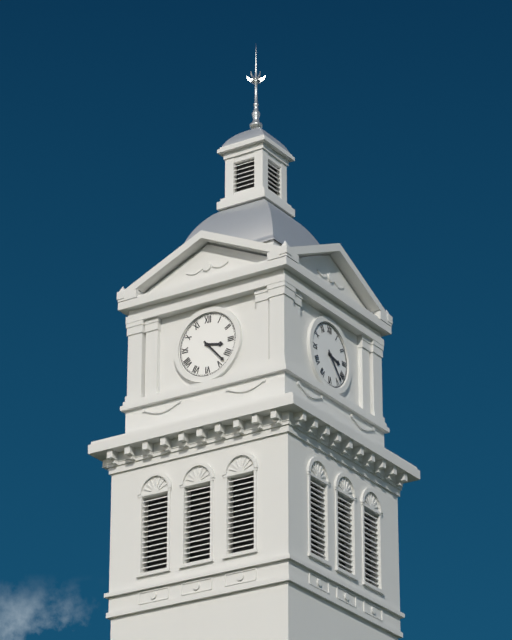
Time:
**3:23**
